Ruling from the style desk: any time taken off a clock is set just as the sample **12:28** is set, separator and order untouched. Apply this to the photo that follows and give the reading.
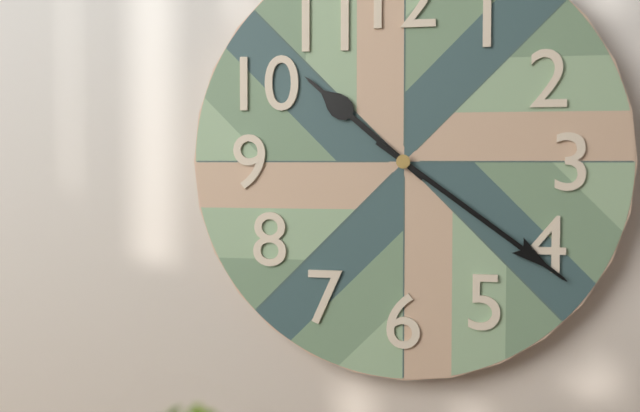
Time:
**10:21**
